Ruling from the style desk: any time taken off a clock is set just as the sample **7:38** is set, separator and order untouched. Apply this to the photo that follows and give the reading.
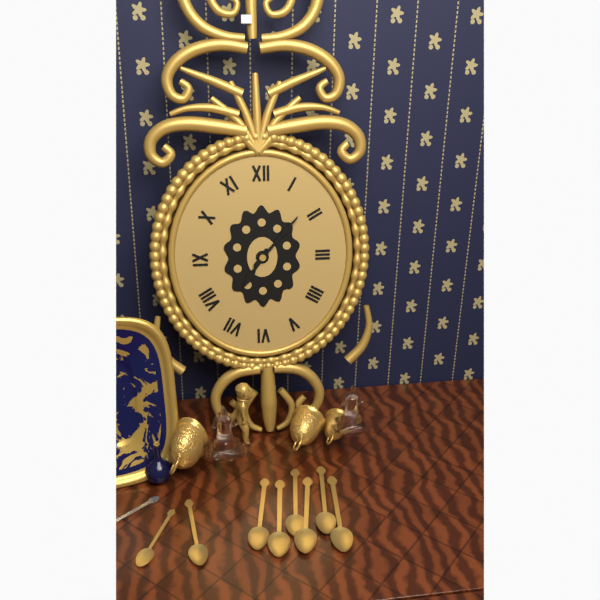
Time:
**7:07**
